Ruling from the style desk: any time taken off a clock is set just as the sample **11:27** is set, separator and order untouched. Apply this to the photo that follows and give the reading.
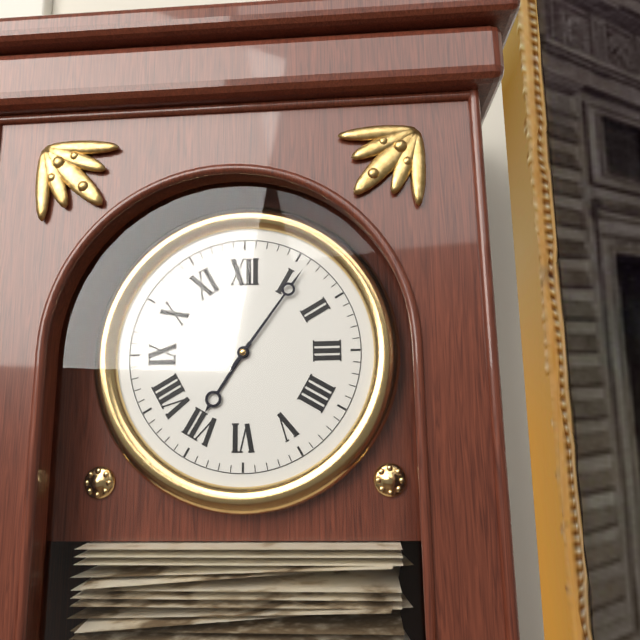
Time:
**7:06**
